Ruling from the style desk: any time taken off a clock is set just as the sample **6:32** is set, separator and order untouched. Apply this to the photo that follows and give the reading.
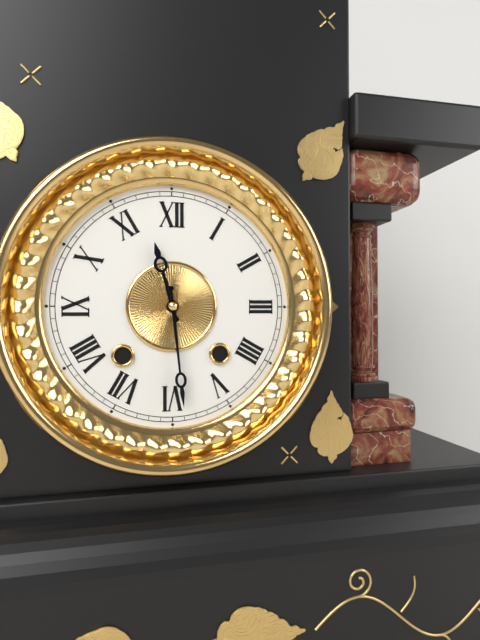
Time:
**11:29**
